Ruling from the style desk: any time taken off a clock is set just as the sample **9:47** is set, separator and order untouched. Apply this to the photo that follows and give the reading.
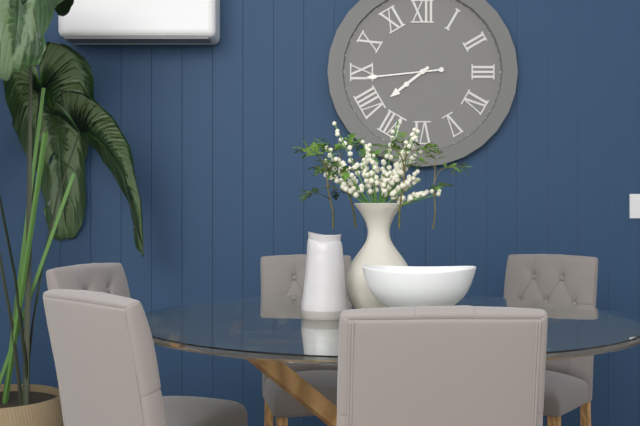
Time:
**7:44**
